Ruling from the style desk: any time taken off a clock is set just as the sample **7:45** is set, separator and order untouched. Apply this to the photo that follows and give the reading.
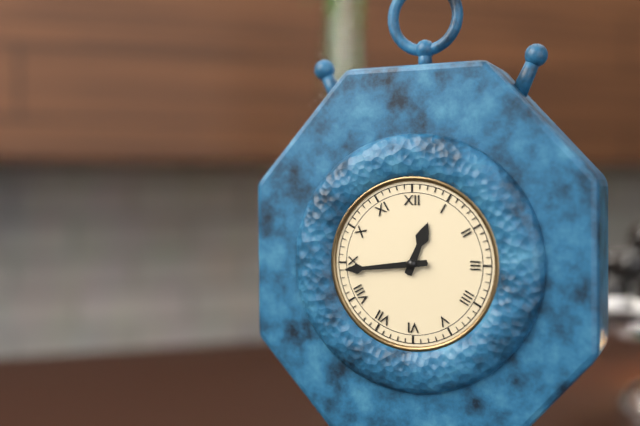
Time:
**12:44**
